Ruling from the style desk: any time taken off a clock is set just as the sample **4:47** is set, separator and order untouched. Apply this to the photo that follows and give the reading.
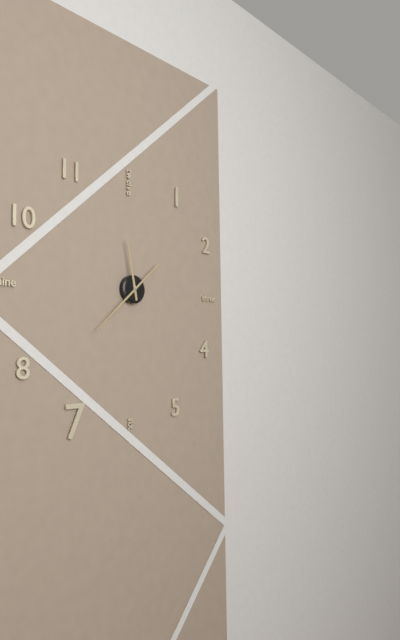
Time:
**11:38**
